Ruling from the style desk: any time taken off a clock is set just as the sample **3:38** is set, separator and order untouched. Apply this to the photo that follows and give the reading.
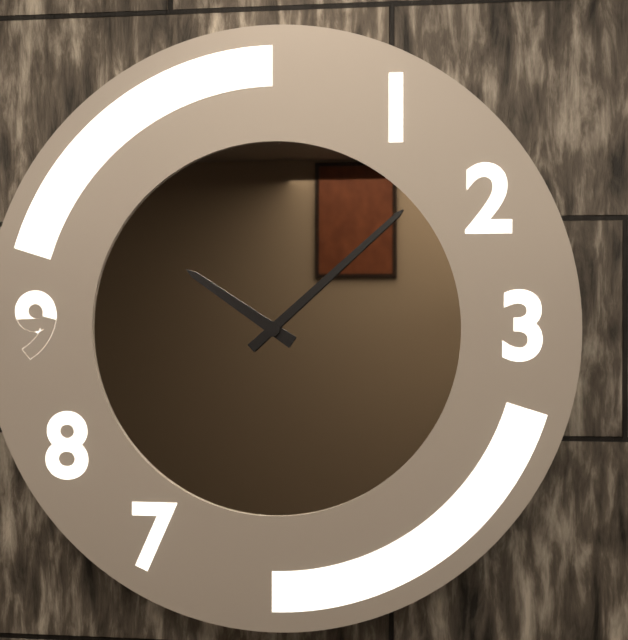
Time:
**10:08**
